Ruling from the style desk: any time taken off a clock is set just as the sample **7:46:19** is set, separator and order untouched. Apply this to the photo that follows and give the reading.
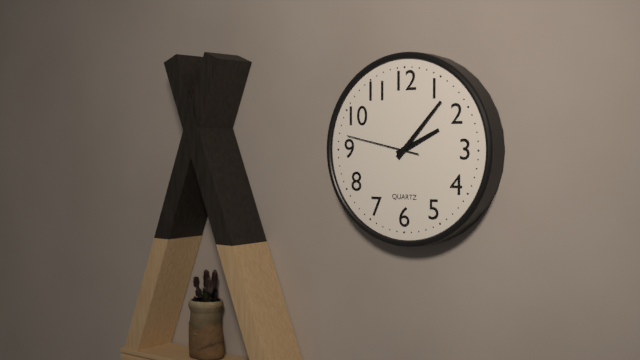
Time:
**2:07:47**
